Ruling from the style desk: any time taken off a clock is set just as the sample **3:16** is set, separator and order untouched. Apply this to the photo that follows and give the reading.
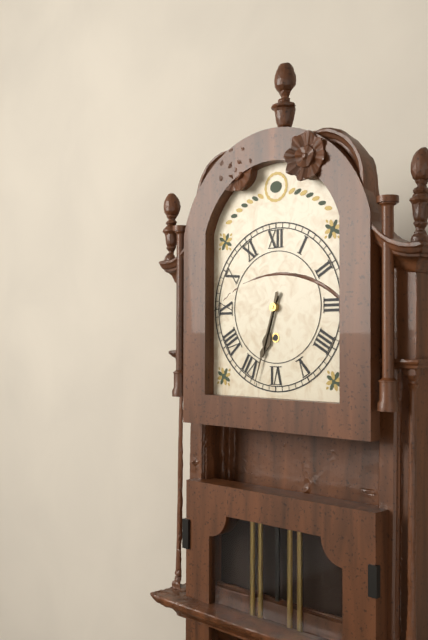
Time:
**6:33**
